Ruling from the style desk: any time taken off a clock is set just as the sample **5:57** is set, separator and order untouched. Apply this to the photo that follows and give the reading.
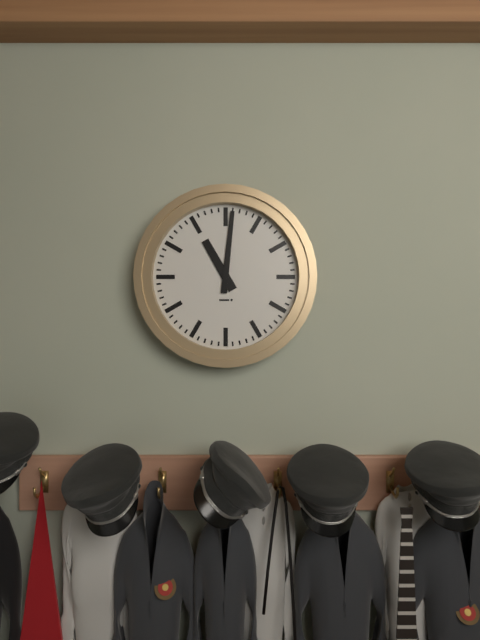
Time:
**11:01**
